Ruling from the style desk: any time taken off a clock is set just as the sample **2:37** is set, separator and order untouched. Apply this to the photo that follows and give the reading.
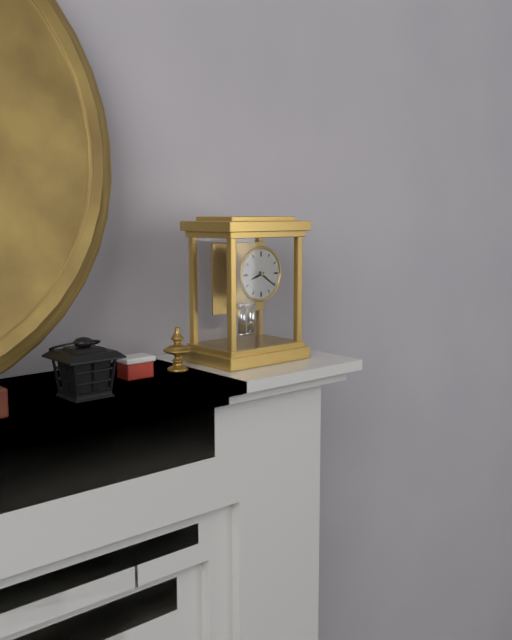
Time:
**8:21**
